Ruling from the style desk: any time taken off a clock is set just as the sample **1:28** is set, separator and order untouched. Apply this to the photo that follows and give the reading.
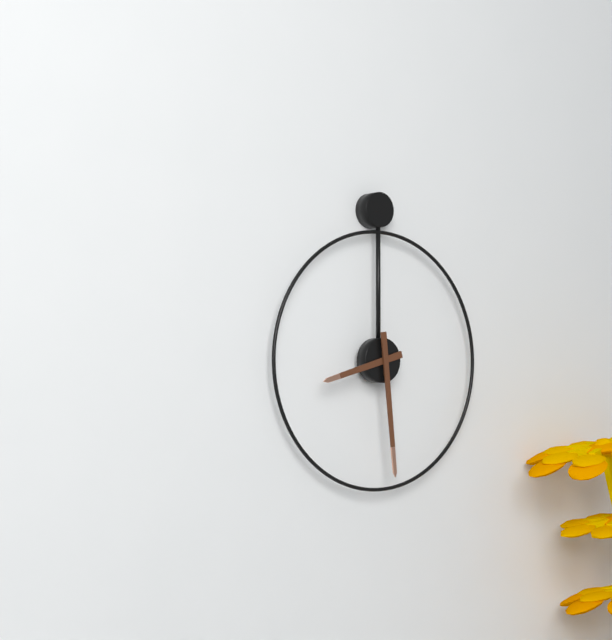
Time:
**8:29**
